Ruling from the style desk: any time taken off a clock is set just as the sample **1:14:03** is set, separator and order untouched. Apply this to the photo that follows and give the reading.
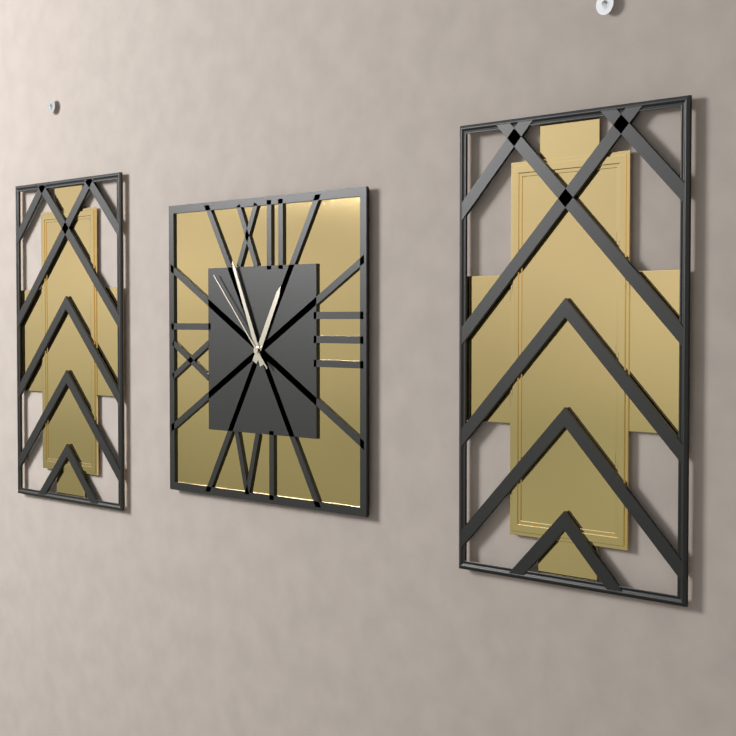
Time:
**12:56:53**
